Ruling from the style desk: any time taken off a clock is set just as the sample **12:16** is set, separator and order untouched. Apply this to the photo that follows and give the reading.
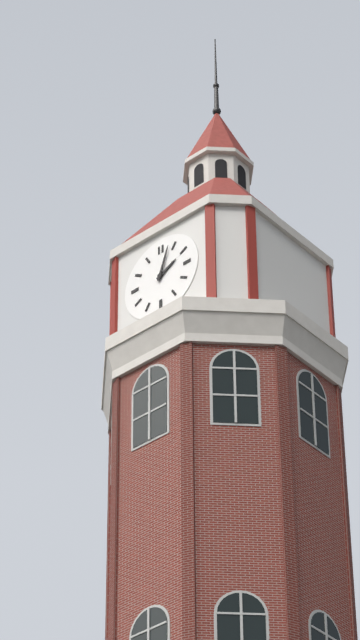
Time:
**2:03**
